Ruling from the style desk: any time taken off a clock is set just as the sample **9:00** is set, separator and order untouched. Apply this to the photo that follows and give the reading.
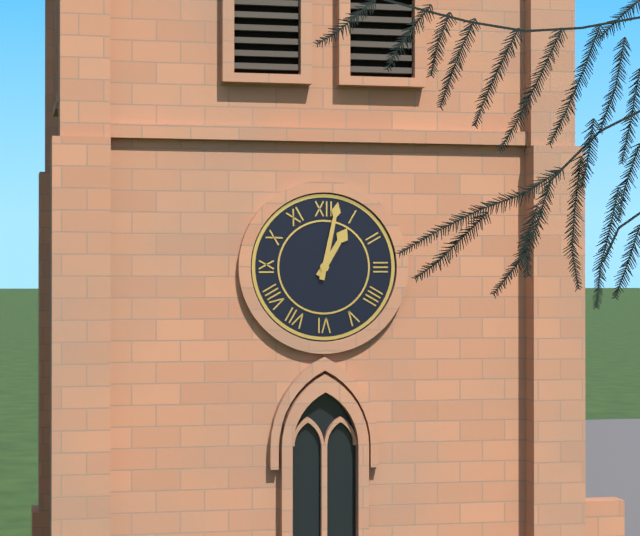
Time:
**1:02**
